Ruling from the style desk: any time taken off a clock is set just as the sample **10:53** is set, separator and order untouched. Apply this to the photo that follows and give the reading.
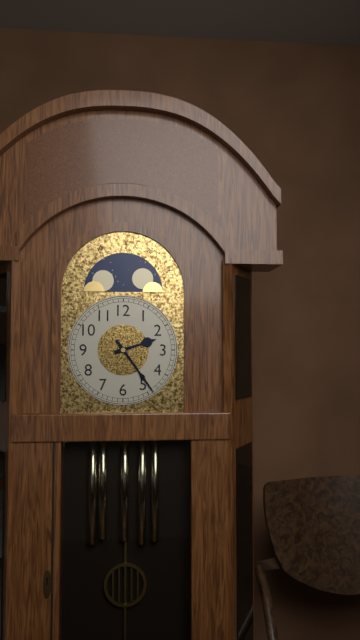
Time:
**2:24**
